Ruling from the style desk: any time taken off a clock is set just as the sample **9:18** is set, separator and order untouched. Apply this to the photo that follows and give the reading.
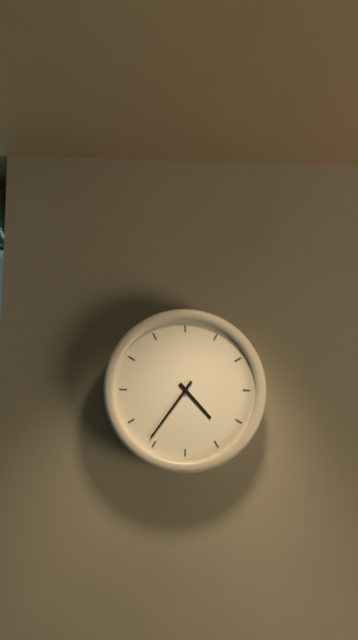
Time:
**4:36**
